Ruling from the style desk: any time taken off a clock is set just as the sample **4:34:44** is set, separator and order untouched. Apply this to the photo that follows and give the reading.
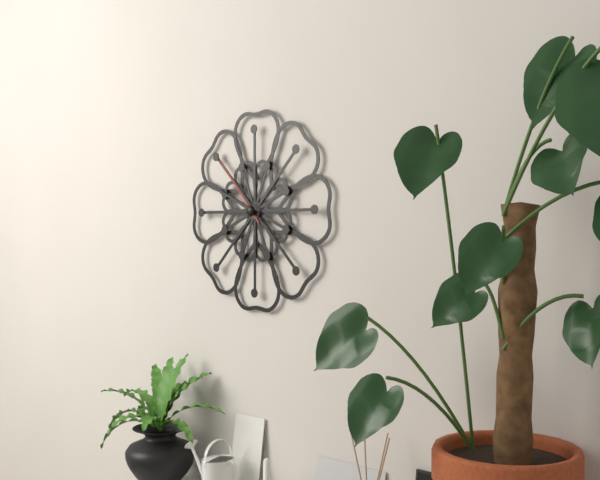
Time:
**9:49:53**
